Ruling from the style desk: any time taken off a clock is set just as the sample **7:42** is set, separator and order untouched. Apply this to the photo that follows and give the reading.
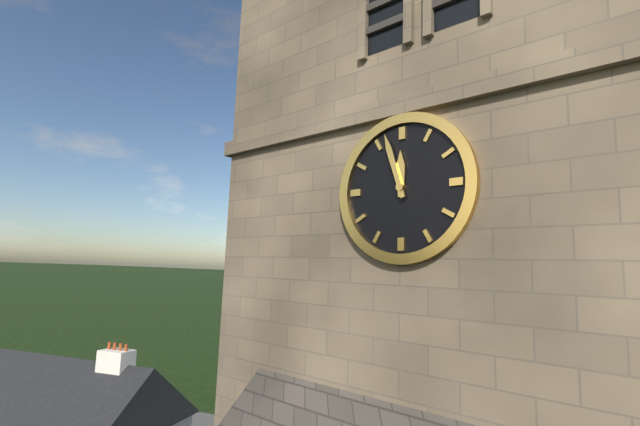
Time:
**11:57**
